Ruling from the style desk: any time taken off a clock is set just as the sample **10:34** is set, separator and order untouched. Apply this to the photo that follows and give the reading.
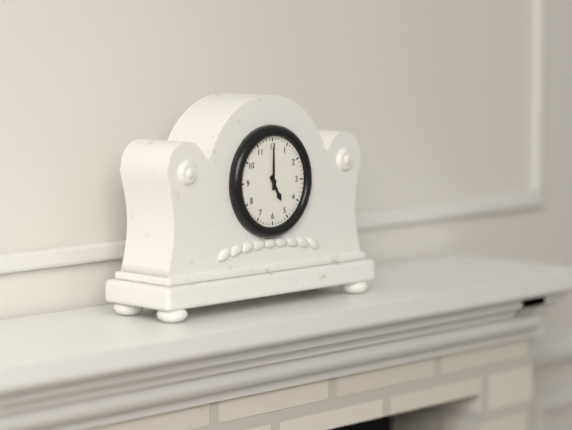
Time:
**5:00**
